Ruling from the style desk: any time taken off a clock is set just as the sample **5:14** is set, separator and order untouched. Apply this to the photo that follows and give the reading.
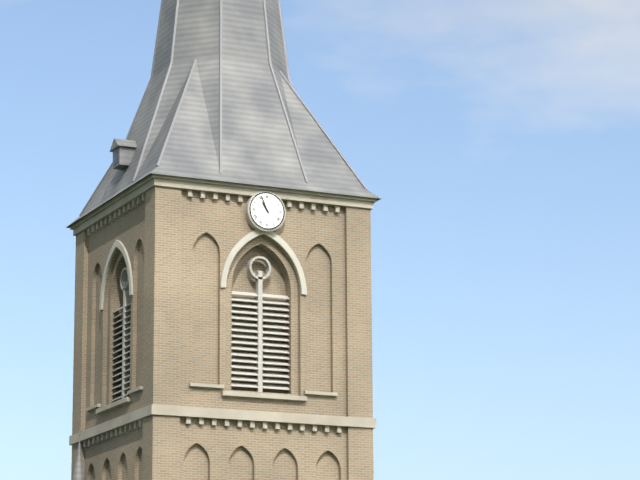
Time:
**10:56**
